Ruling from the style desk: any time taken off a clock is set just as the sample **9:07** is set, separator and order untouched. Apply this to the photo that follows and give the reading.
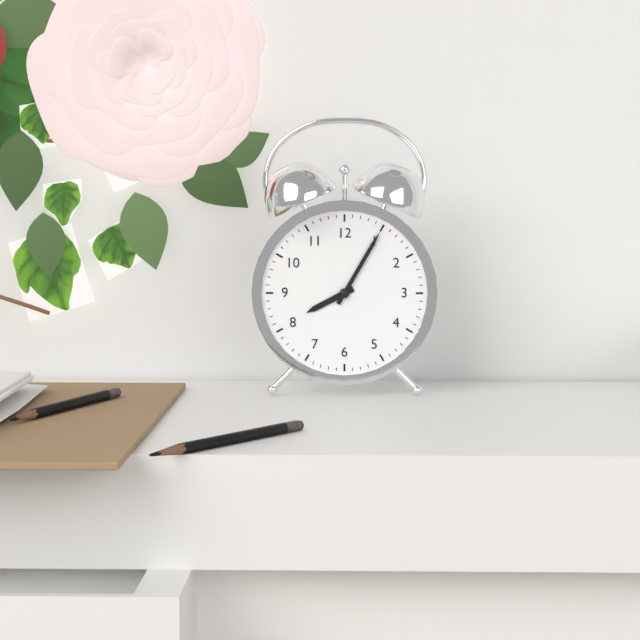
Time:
**8:05**
